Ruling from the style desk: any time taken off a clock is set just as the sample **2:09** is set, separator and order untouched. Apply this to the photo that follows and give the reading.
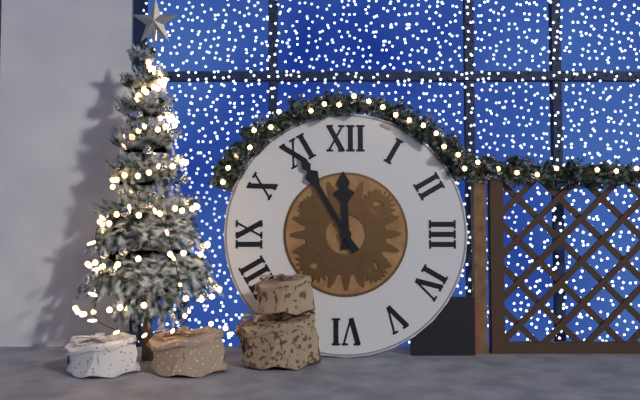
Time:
**11:55**
